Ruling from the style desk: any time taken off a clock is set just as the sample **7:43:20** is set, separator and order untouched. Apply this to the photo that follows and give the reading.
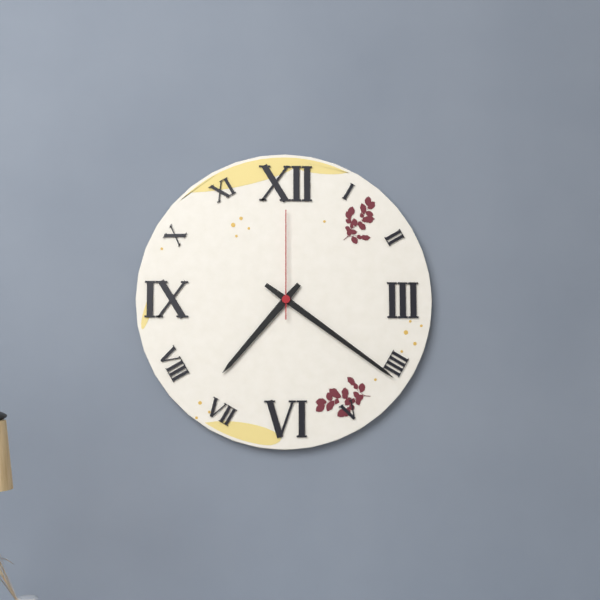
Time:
**7:21:00**
